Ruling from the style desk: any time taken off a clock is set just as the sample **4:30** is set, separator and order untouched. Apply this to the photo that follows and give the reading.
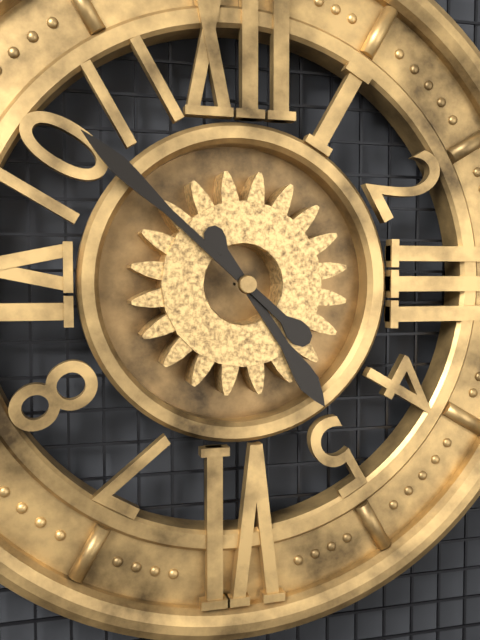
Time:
**4:52**
